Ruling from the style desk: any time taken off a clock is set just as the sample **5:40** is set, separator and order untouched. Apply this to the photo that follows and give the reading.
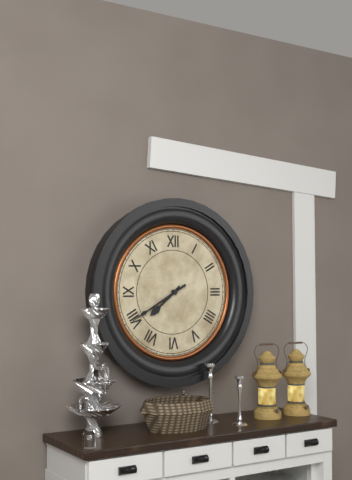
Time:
**7:40**
